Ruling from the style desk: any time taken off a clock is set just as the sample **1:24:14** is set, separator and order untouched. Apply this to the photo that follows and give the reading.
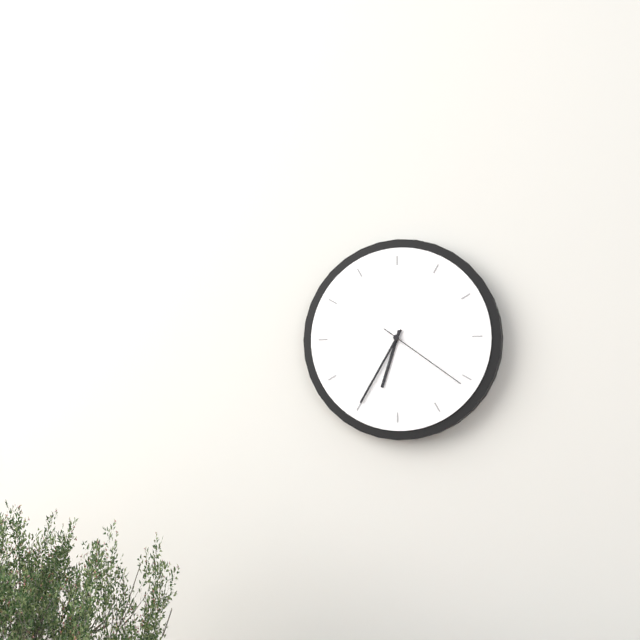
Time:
**6:35:21**
